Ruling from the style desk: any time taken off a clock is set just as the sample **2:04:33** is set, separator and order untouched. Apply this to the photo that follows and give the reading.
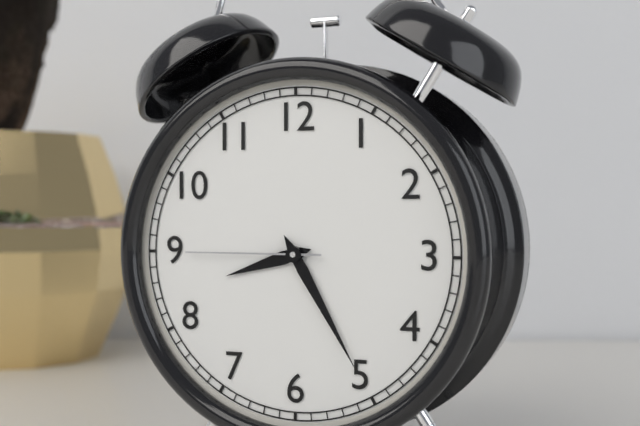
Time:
**8:25:45**
